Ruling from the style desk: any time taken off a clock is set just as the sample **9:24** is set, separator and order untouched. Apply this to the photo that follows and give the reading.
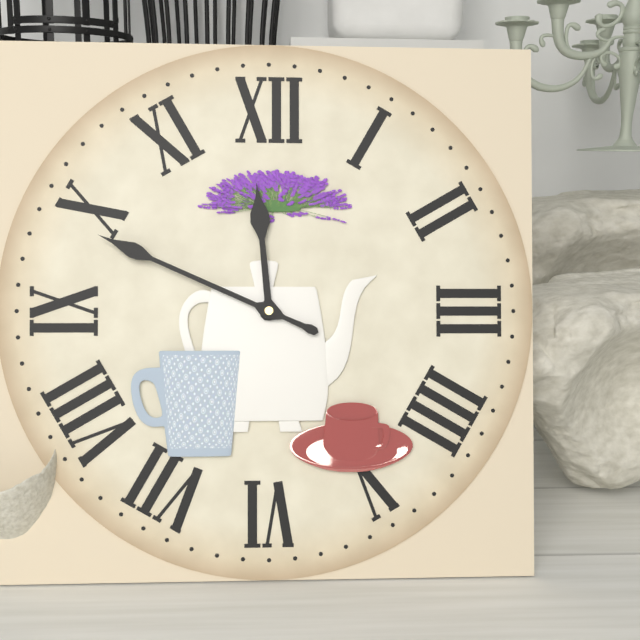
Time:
**11:49**
